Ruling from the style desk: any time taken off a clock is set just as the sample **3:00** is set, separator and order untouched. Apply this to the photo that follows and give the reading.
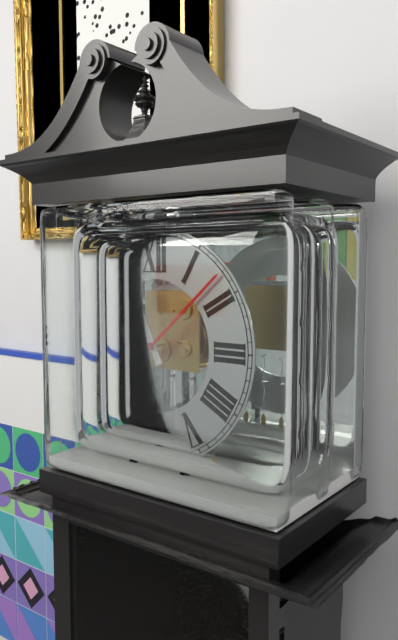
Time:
**11:08**
